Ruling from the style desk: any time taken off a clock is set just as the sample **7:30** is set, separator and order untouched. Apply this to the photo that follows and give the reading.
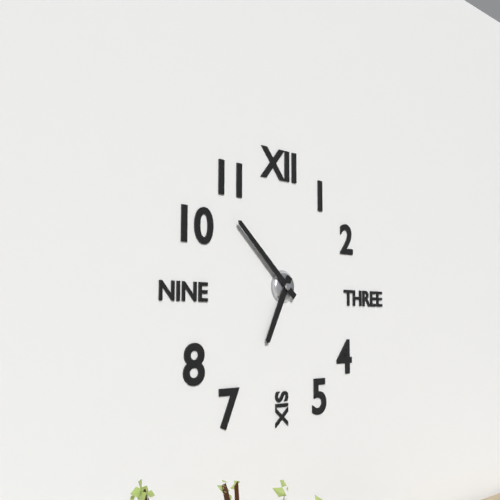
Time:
**6:52**
